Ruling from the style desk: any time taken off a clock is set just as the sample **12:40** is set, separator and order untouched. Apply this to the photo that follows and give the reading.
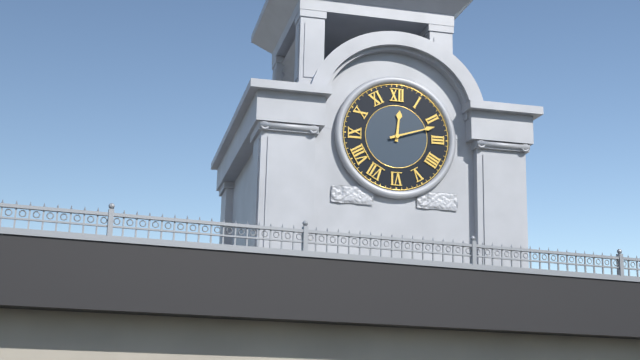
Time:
**12:12**
